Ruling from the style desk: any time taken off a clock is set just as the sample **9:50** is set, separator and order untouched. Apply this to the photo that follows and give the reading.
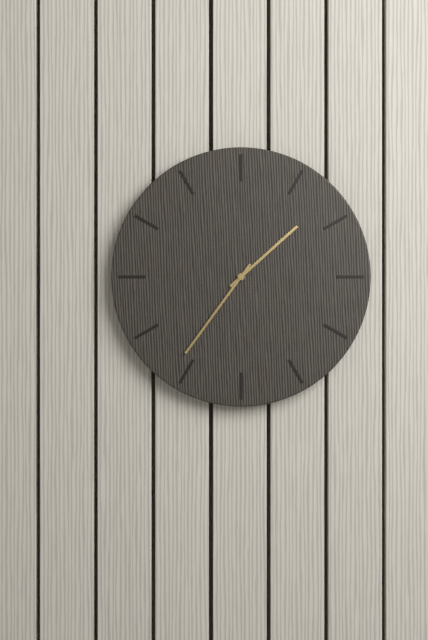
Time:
**1:36**
